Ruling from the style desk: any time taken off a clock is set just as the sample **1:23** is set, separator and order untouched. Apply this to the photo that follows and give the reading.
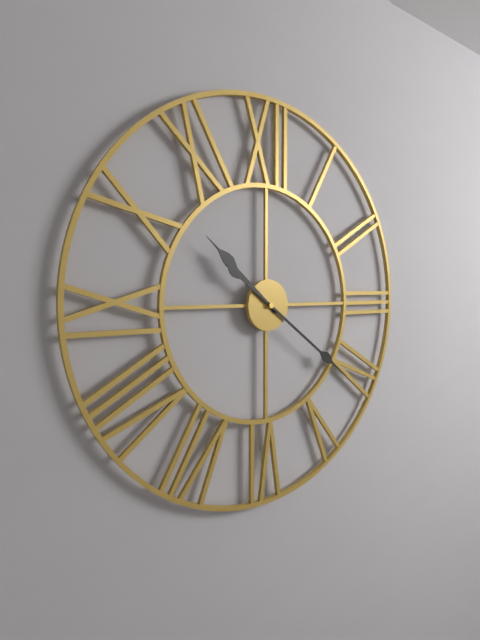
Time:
**10:21**
